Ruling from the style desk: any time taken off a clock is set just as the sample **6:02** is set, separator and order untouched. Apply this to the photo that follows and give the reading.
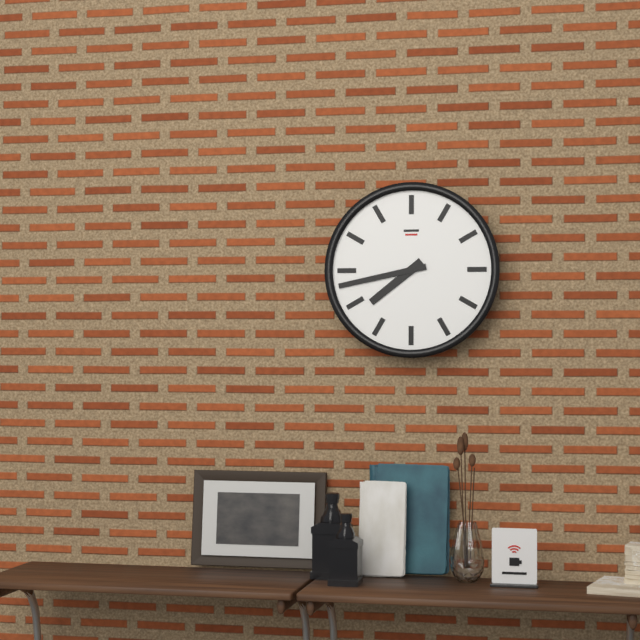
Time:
**7:43**
